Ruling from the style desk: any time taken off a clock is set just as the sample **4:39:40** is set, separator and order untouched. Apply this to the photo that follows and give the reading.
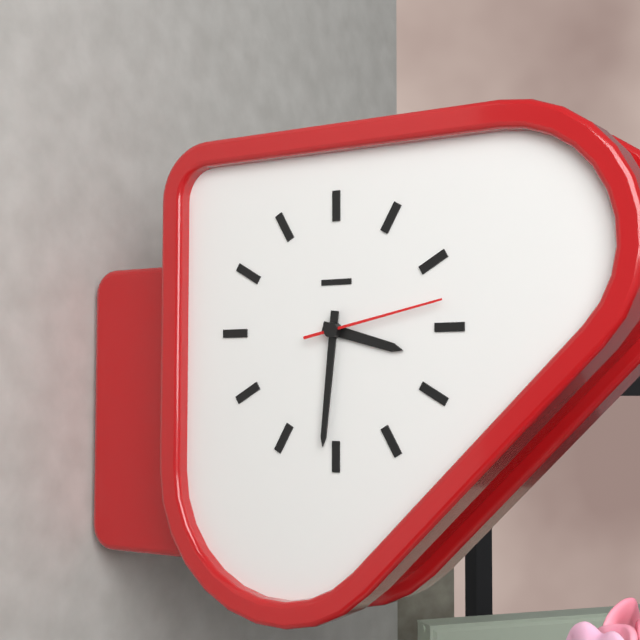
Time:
**3:31:13**
